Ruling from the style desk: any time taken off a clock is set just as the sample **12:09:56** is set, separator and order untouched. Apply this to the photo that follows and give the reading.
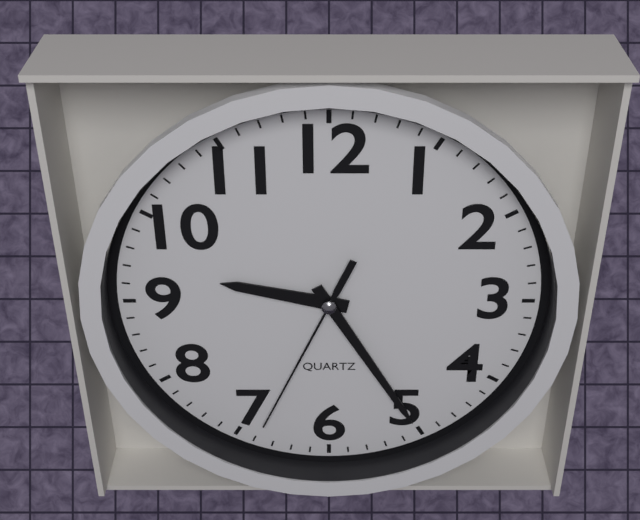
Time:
**9:25:34**
